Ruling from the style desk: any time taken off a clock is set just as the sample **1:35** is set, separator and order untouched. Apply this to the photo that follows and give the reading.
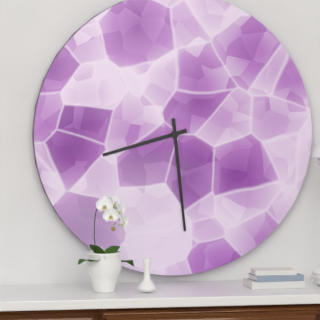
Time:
**8:29**
